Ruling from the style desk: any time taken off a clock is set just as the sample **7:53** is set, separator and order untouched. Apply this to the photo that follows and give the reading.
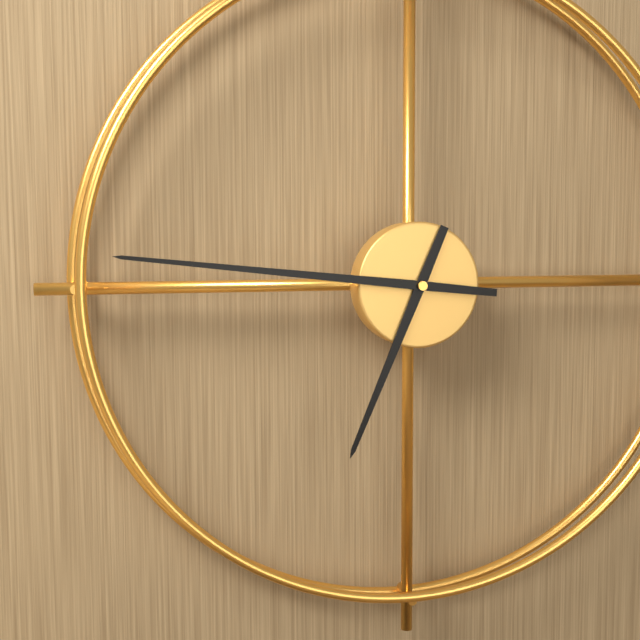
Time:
**6:46**
